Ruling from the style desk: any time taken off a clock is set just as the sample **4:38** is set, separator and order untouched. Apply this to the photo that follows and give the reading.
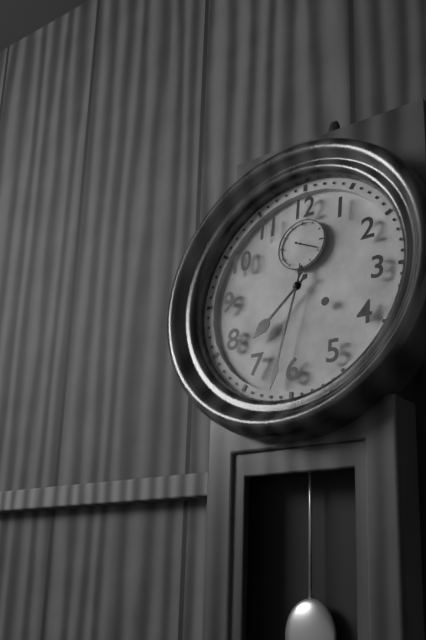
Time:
**7:32**
